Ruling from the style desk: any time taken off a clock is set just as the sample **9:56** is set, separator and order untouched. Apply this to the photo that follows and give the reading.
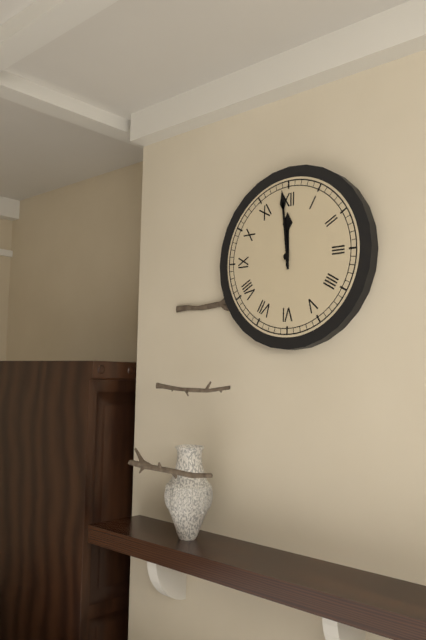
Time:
**11:59**
